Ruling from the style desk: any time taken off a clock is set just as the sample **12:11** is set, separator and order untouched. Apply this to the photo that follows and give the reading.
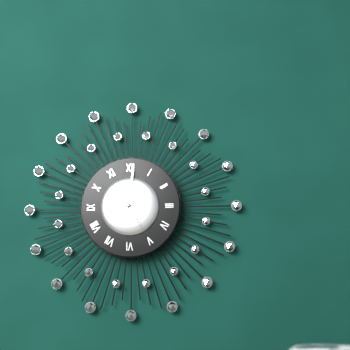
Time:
**5:01**
